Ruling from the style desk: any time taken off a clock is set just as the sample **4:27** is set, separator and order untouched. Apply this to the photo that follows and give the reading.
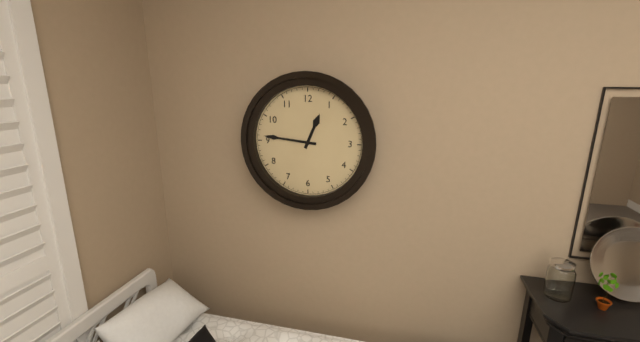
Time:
**12:46**
